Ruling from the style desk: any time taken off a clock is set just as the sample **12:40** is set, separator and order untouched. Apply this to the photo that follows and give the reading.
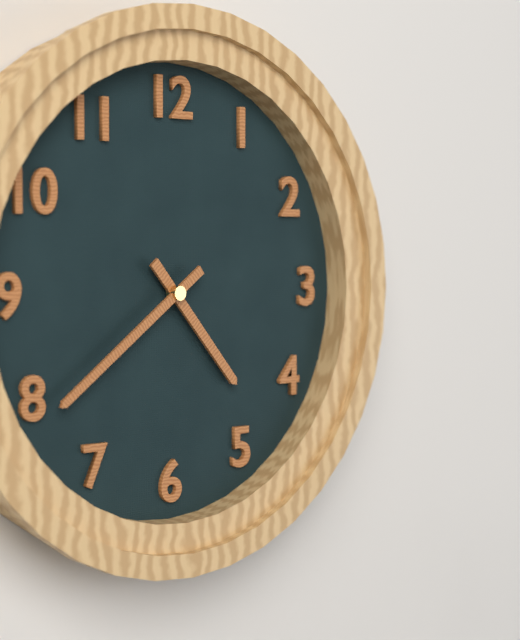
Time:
**4:39**
